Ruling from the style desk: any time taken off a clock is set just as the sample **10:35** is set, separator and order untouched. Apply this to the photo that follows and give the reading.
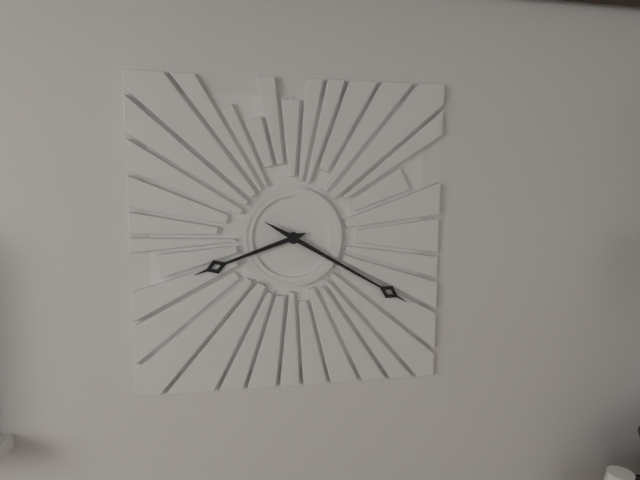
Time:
**8:20**
